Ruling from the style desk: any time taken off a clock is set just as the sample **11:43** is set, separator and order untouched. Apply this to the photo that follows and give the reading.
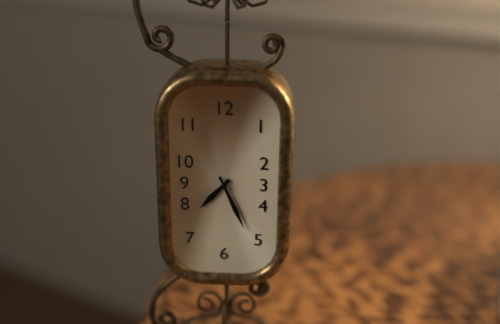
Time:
**7:26**
